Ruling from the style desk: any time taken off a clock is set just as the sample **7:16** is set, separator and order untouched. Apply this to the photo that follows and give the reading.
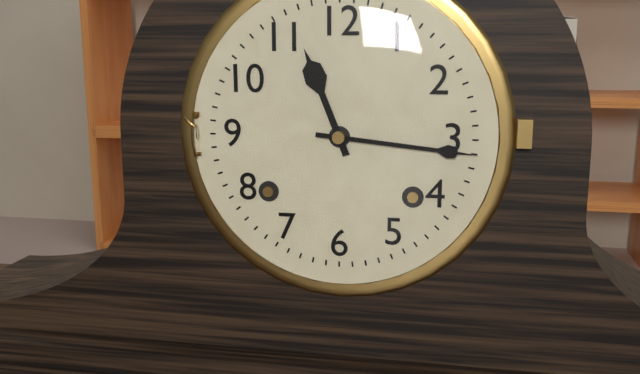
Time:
**11:16**
